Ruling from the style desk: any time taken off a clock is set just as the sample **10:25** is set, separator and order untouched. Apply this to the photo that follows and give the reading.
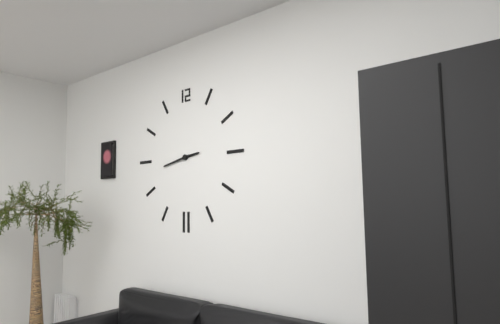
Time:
**2:43**
